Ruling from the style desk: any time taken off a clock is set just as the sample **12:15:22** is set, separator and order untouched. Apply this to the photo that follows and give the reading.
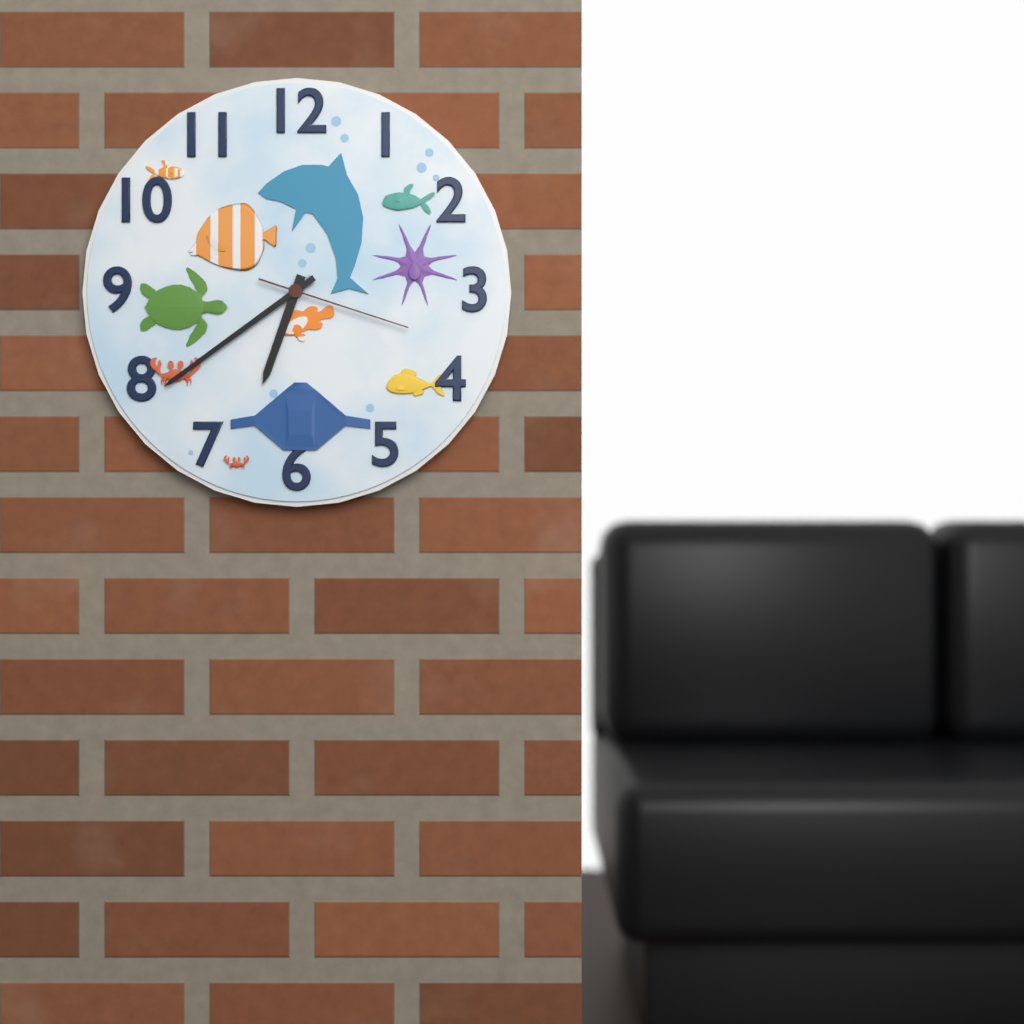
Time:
**6:39:18**
